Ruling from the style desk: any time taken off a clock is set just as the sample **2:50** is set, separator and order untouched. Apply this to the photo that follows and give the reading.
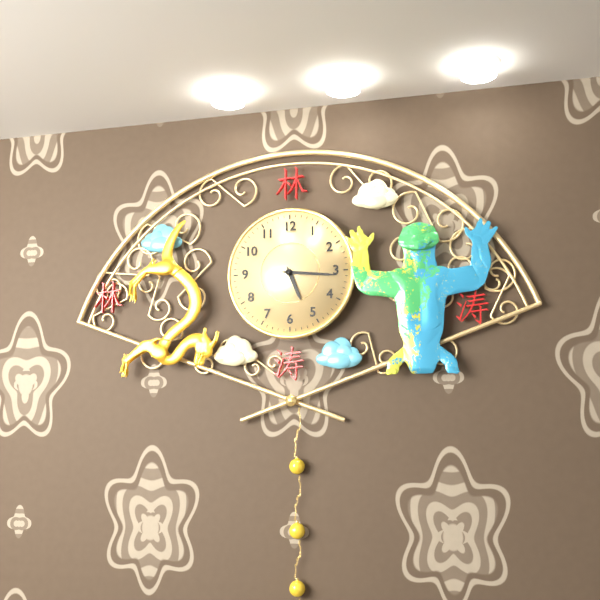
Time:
**5:16**
